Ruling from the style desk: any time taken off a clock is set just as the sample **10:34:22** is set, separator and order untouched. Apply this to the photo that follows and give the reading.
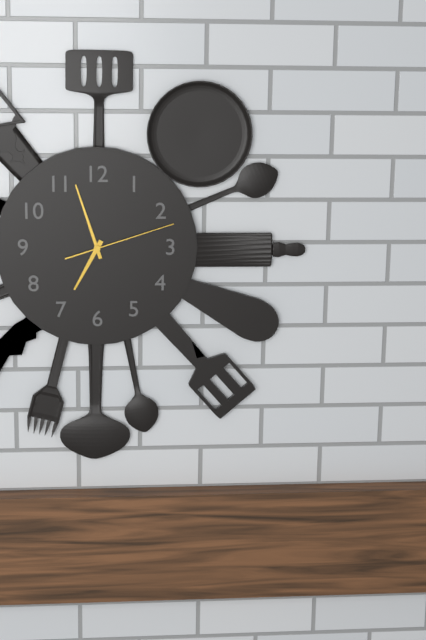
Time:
**6:57:12**
